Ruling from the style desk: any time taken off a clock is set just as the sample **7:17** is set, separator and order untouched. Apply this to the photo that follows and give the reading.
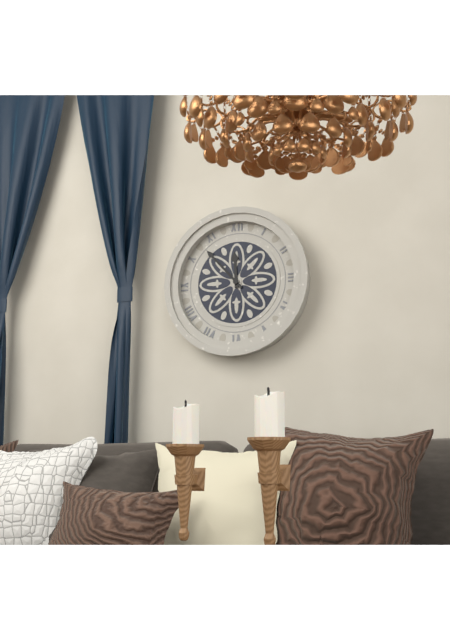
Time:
**11:53**
